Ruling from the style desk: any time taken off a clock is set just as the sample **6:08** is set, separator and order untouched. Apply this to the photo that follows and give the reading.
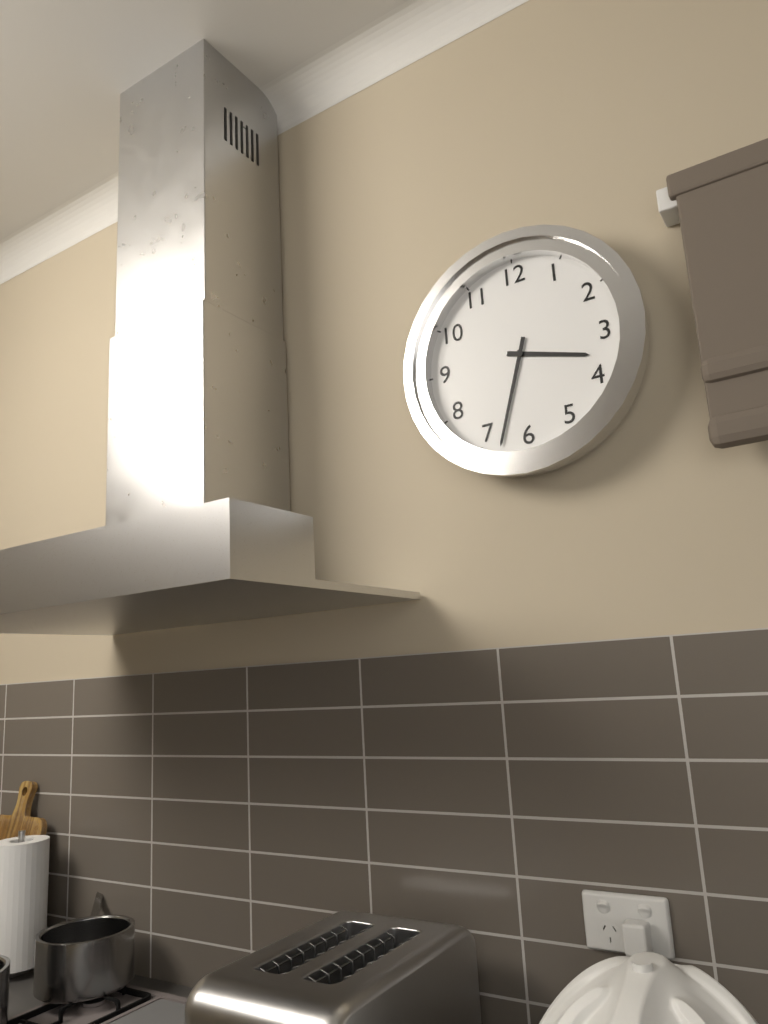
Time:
**3:33**
